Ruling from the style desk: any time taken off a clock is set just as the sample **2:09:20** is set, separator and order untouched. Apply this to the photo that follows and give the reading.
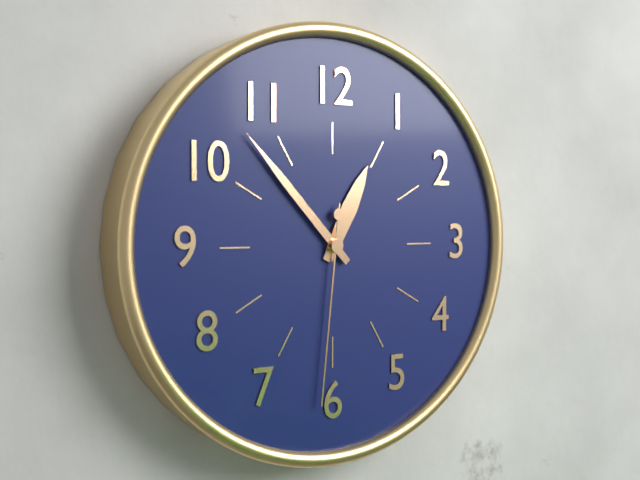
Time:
**12:53:31**
